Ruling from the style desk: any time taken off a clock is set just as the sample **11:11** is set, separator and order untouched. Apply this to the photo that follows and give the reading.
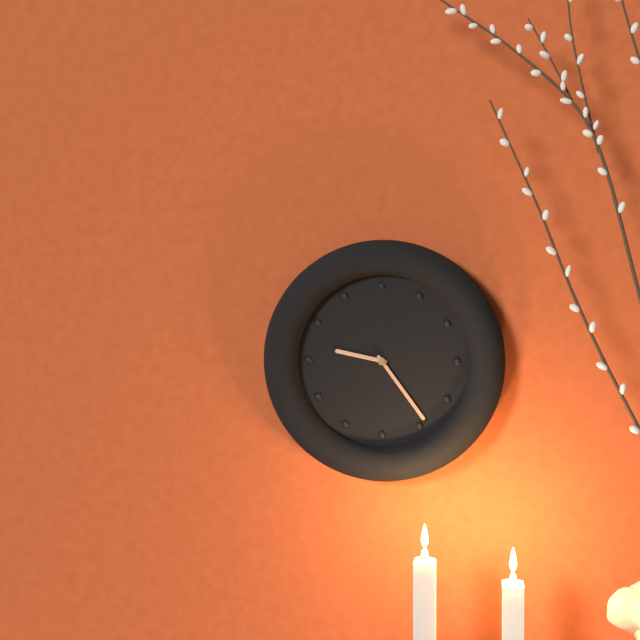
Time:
**9:24**
